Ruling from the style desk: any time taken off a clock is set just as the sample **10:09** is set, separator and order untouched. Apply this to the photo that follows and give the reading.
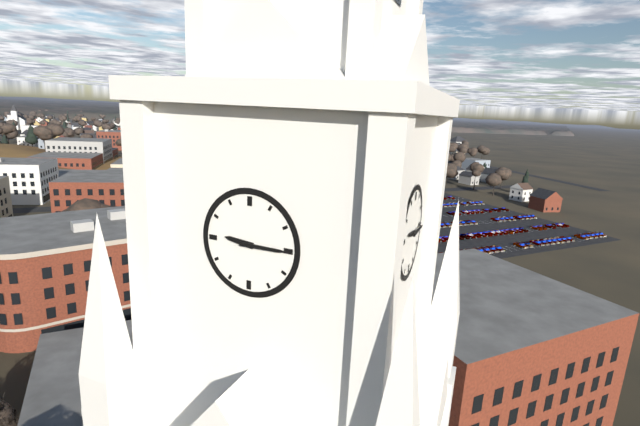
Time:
**9:15**
